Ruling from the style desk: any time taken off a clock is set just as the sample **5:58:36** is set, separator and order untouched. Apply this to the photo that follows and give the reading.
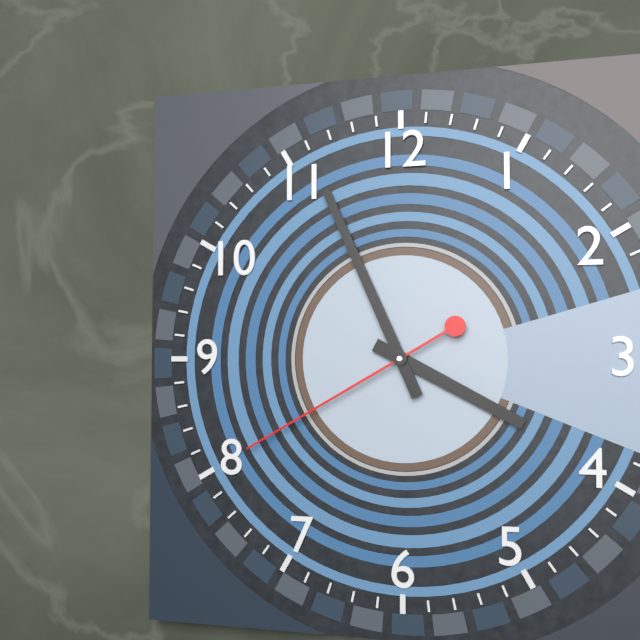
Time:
**3:56:40**
